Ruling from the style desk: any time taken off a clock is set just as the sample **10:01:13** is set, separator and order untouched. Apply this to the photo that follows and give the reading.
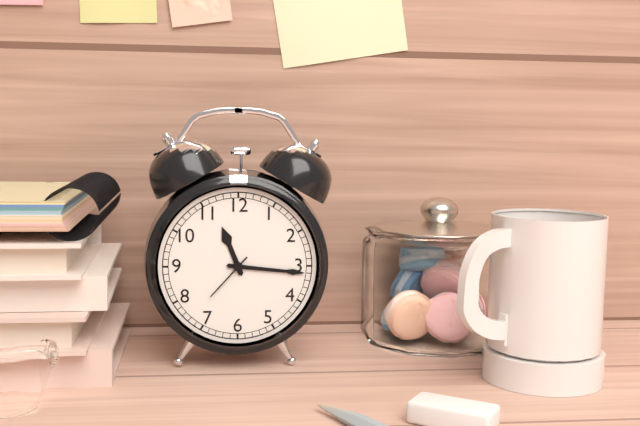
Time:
**11:16:37**
